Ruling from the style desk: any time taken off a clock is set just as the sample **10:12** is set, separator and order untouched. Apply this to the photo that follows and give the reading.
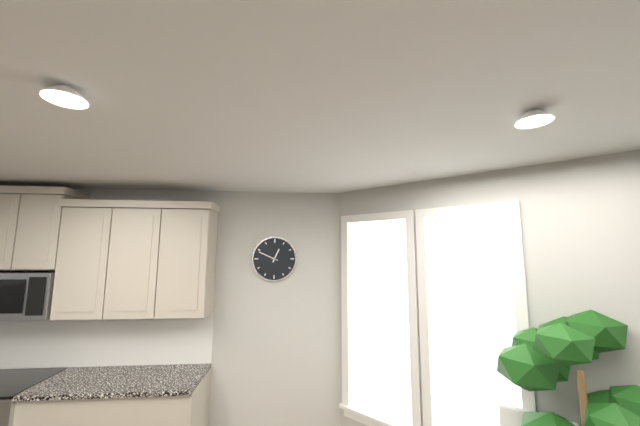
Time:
**12:49**
